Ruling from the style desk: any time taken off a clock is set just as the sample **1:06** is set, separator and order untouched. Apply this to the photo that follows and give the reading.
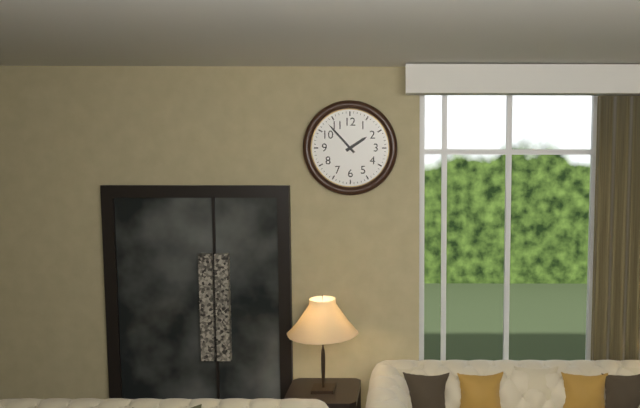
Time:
**1:53**
